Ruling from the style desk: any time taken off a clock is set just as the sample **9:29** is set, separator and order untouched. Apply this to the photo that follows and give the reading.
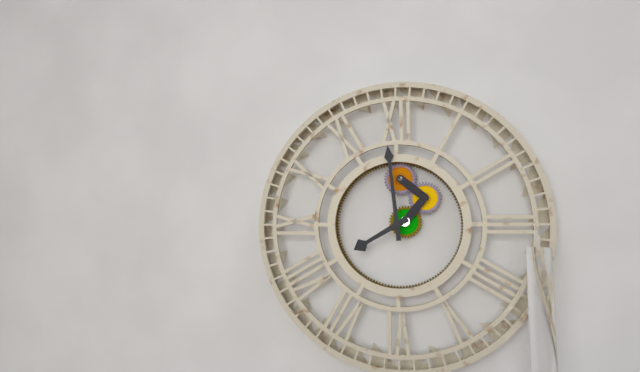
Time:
**7:59**
